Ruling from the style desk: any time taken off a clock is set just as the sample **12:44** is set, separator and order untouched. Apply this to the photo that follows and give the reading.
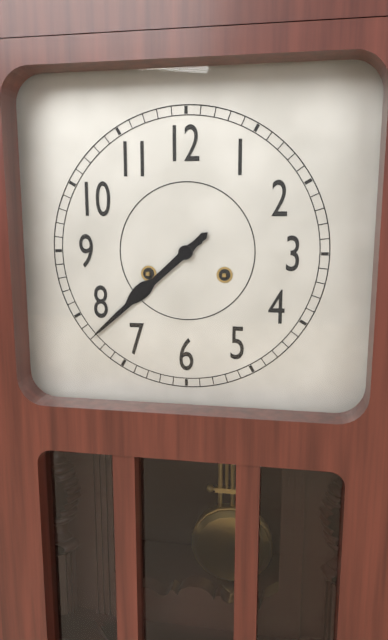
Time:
**7:38**
